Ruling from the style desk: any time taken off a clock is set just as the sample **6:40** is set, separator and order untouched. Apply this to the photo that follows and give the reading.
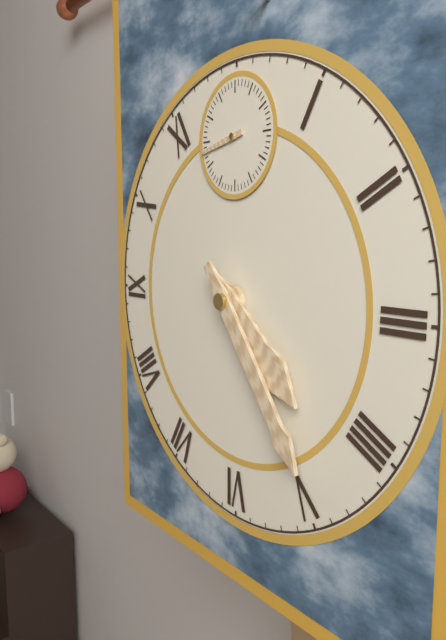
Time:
**4:24**
